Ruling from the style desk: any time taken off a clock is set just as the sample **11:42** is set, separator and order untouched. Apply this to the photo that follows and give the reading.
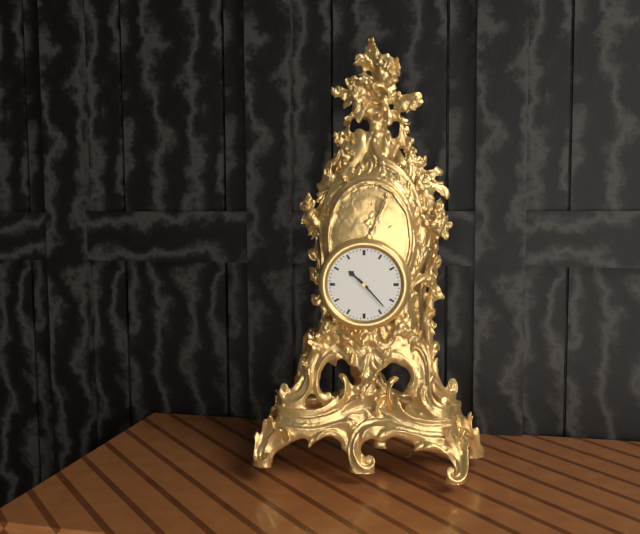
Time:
**10:23**
